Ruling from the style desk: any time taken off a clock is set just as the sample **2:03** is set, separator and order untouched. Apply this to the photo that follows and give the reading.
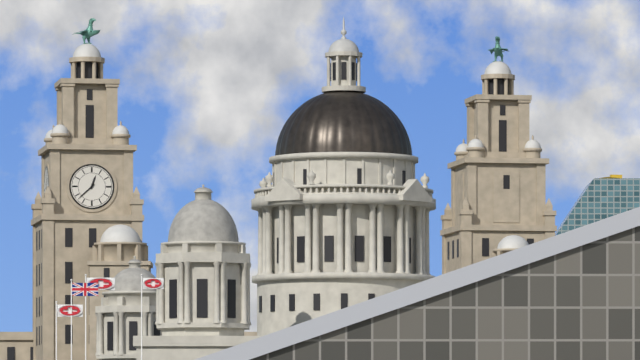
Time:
**12:38**
